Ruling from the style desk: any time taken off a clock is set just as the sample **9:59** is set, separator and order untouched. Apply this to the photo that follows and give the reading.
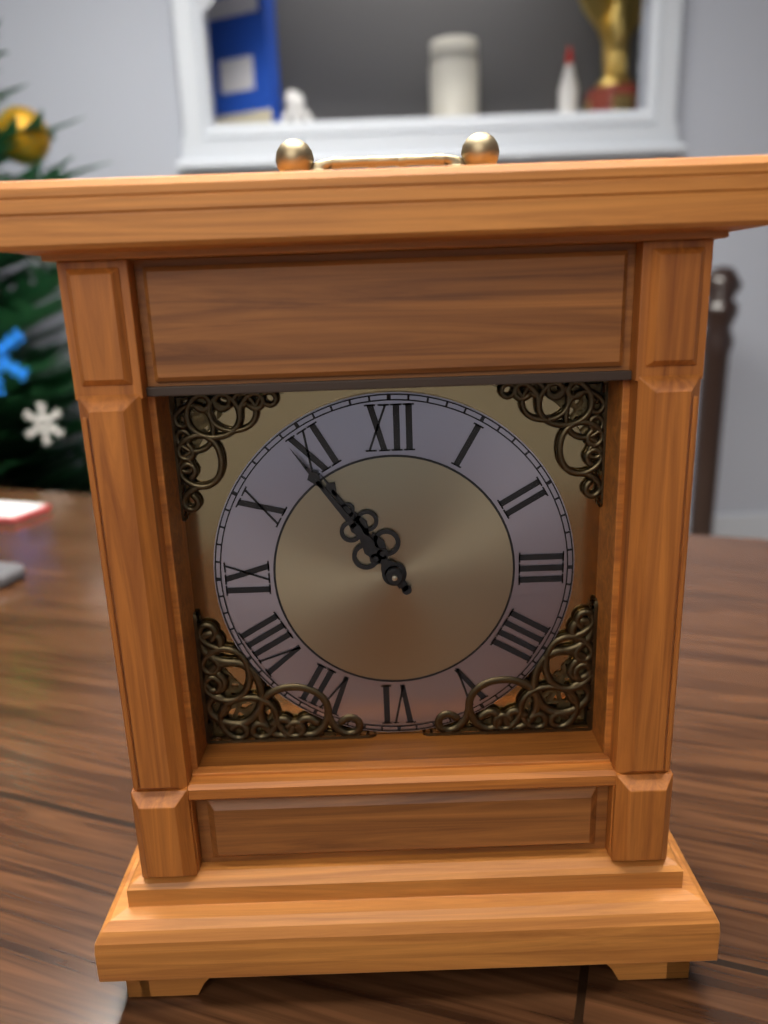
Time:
**10:54**
